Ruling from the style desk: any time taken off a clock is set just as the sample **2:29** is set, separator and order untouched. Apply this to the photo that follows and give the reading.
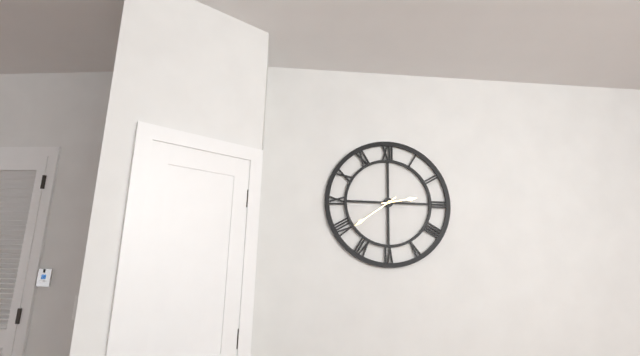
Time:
**2:39**
